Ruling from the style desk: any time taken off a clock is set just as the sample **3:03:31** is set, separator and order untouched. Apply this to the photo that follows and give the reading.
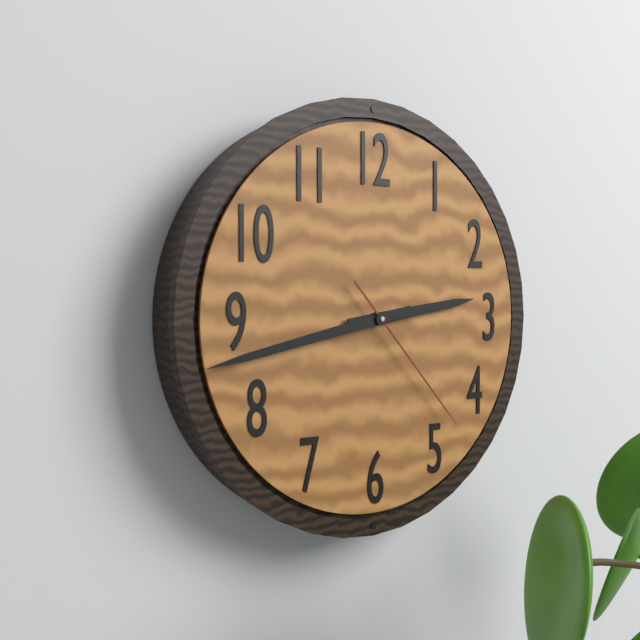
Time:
**2:43:23**
